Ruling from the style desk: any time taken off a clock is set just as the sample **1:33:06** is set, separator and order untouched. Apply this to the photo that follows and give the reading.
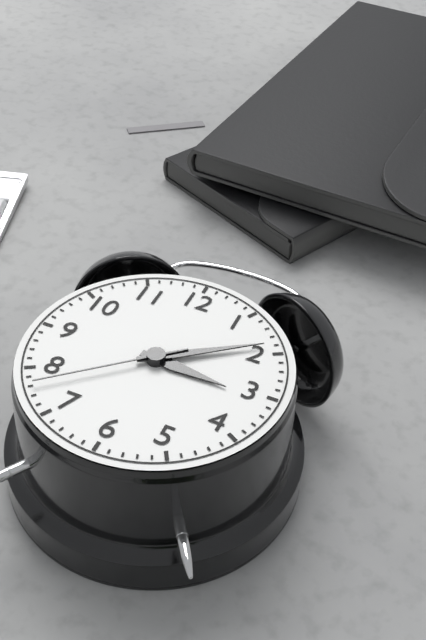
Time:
**3:09:38**
